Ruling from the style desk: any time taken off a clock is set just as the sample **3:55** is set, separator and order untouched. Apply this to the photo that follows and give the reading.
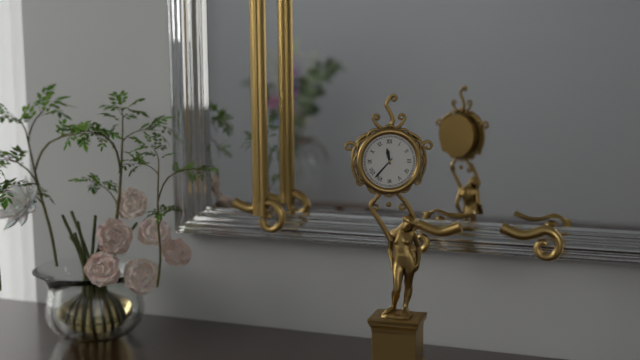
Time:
**11:37**
